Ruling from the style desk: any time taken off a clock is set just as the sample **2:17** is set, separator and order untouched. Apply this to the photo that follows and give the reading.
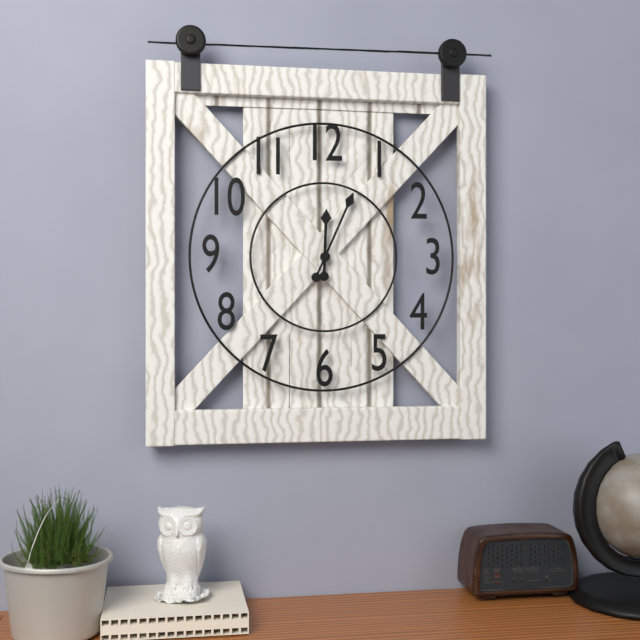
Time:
**12:04**
